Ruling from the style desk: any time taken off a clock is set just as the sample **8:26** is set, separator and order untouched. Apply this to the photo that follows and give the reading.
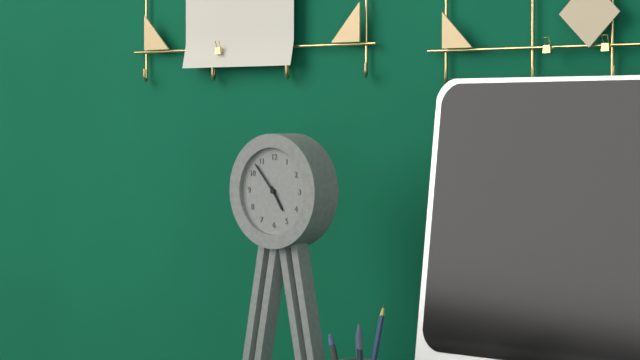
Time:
**4:53**
